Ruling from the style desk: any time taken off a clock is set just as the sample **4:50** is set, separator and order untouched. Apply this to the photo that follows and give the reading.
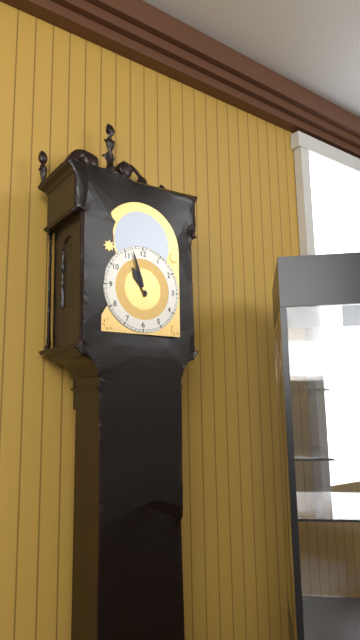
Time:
**10:57**
